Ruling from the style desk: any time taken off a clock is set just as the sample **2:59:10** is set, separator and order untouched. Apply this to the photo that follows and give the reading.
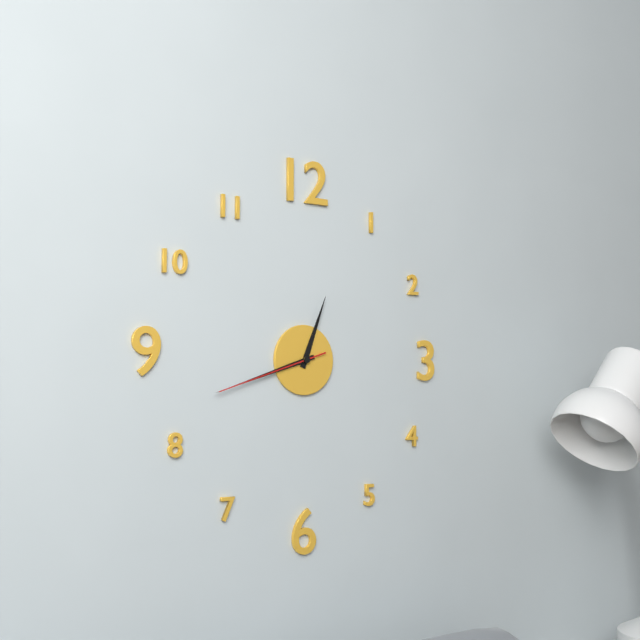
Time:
**12:42:42**
